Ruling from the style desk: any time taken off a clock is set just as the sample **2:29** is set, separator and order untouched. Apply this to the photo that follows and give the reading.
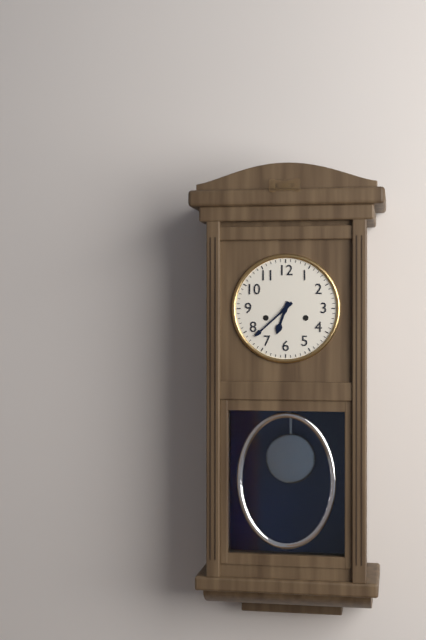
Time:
**6:38**
